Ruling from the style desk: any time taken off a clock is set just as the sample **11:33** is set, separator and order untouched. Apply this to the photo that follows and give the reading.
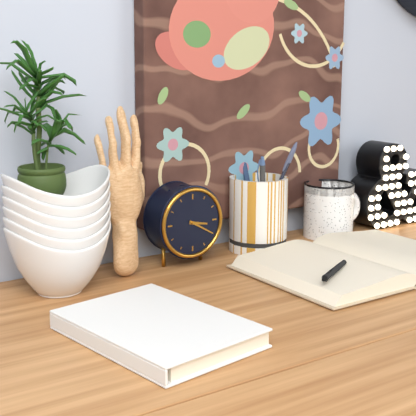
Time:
**3:20**
